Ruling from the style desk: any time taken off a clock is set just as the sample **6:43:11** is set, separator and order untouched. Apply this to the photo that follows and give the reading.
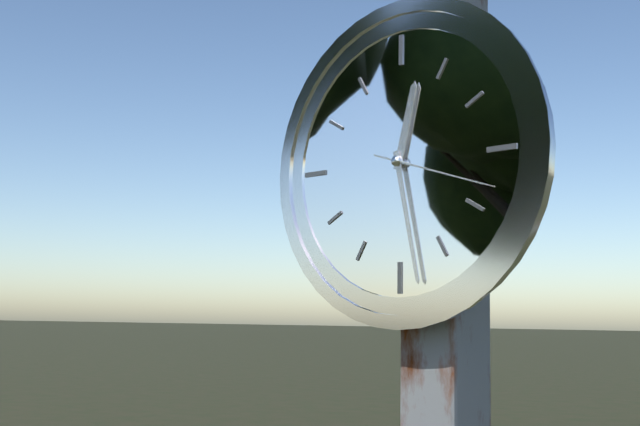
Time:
**12:28:18**
